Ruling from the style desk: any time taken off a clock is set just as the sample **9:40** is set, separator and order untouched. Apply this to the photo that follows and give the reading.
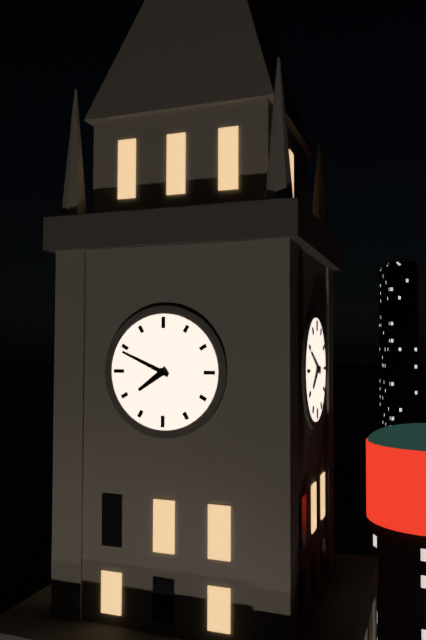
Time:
**7:49**
